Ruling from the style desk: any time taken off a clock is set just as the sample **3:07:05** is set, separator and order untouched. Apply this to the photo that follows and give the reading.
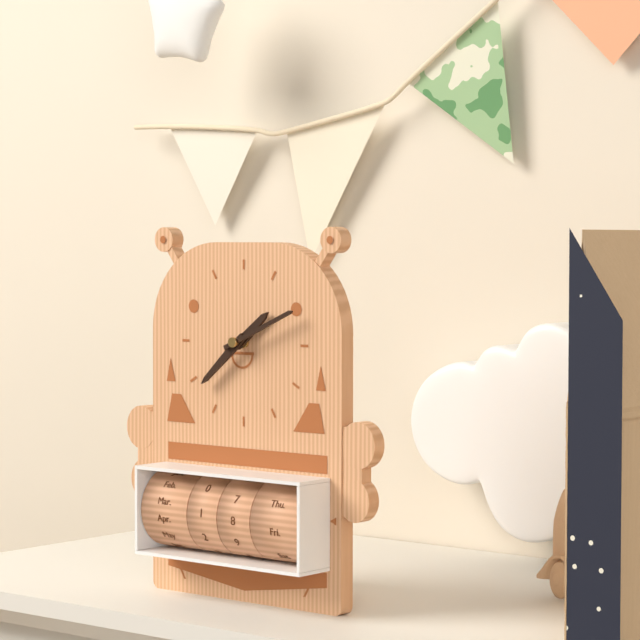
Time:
**1:38:11**
